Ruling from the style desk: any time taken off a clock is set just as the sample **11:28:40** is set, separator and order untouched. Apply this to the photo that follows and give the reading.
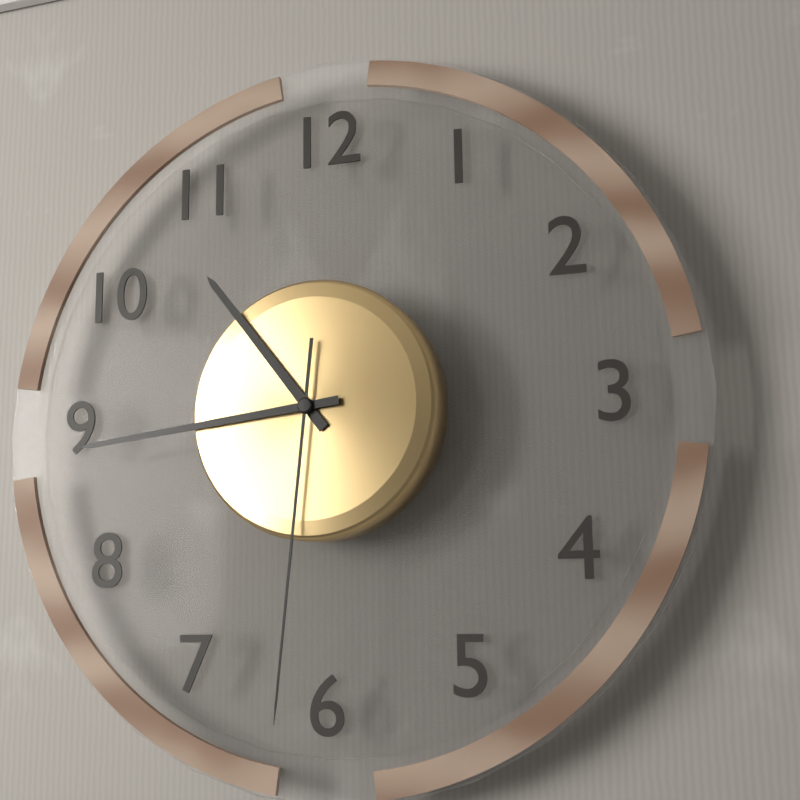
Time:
**10:44:31**
